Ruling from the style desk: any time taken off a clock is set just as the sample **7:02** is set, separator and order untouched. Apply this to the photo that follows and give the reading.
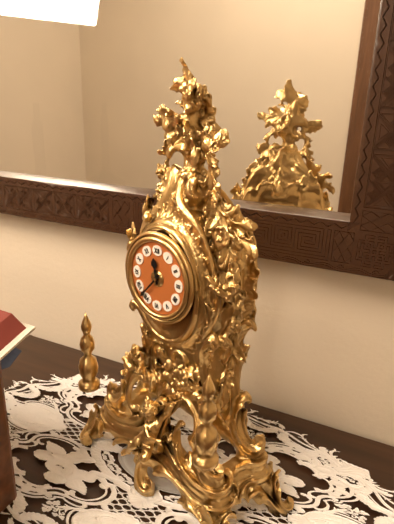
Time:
**11:37**
